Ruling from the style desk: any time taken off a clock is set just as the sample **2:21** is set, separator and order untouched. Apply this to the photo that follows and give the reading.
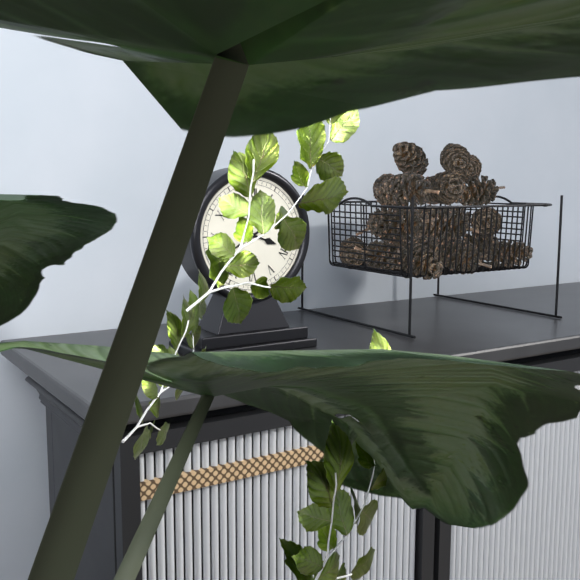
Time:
**3:40**
